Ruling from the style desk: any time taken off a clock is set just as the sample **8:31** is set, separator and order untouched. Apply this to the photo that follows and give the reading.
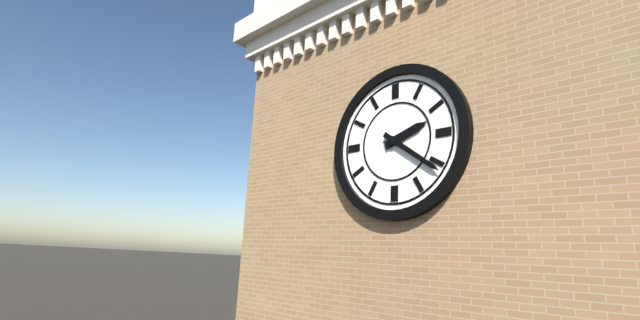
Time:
**2:21**
